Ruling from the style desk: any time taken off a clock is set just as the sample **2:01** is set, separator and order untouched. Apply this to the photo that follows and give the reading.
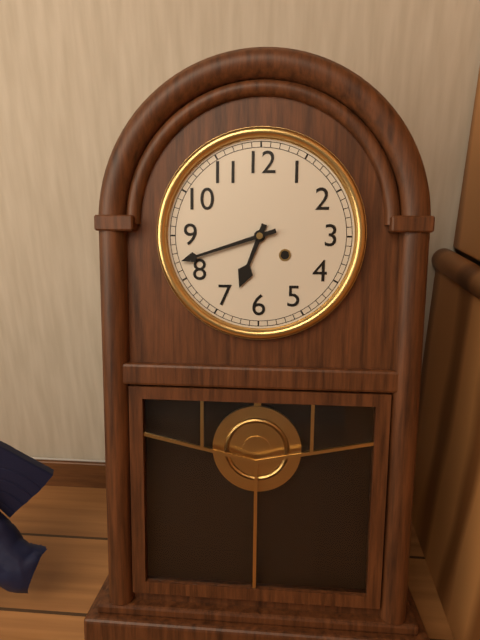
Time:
**6:42**
